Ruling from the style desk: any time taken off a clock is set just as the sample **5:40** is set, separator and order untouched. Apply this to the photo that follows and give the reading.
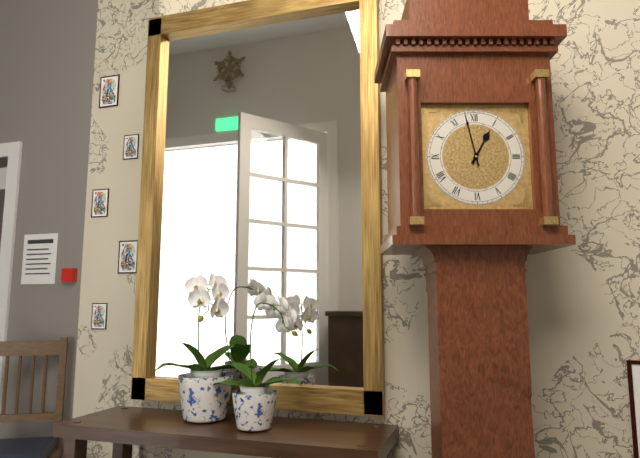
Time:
**12:58**
